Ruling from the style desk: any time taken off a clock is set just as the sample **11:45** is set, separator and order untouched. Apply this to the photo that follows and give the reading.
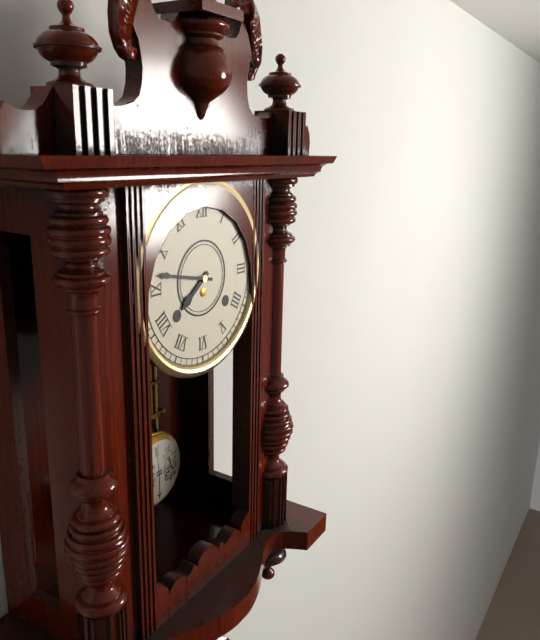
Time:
**7:47**
